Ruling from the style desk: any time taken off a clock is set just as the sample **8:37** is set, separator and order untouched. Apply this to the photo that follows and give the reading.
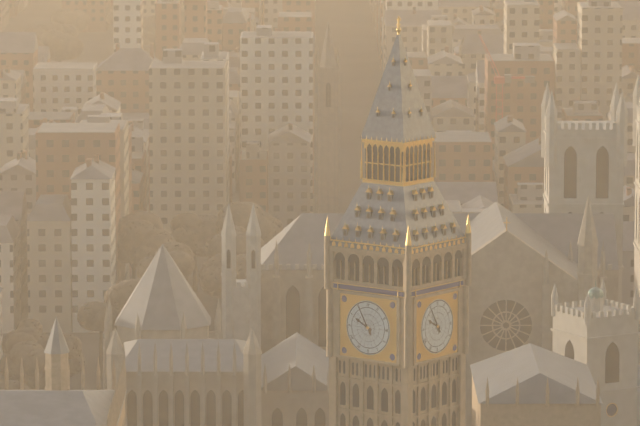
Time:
**9:55**
